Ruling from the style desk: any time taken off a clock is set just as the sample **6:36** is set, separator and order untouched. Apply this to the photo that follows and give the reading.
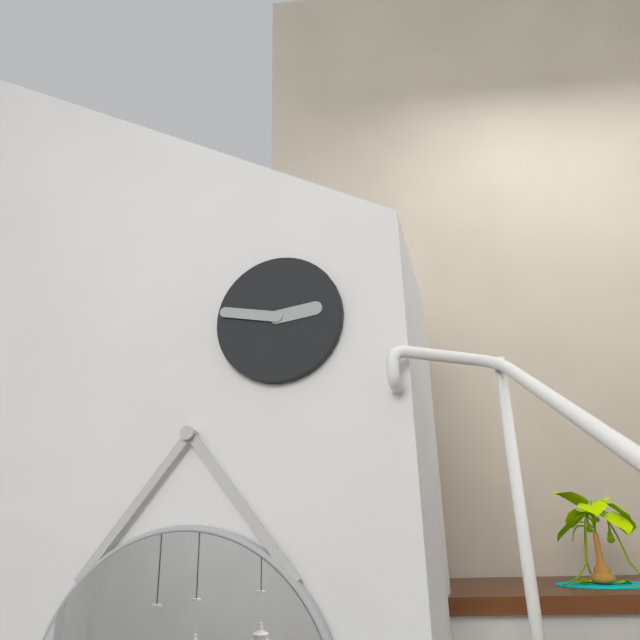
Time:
**2:47**
